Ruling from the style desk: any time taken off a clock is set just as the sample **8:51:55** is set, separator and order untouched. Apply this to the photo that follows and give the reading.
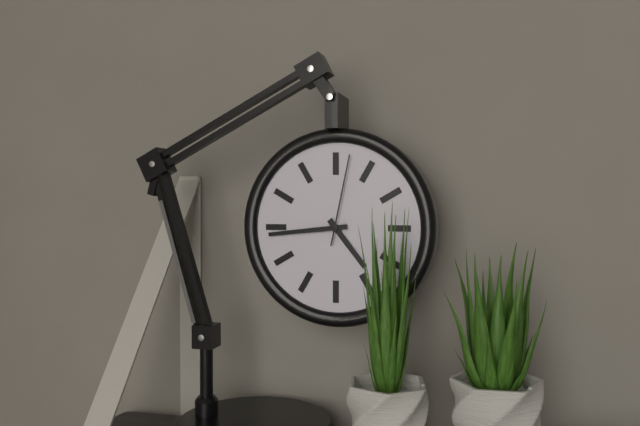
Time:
**4:44:02**
